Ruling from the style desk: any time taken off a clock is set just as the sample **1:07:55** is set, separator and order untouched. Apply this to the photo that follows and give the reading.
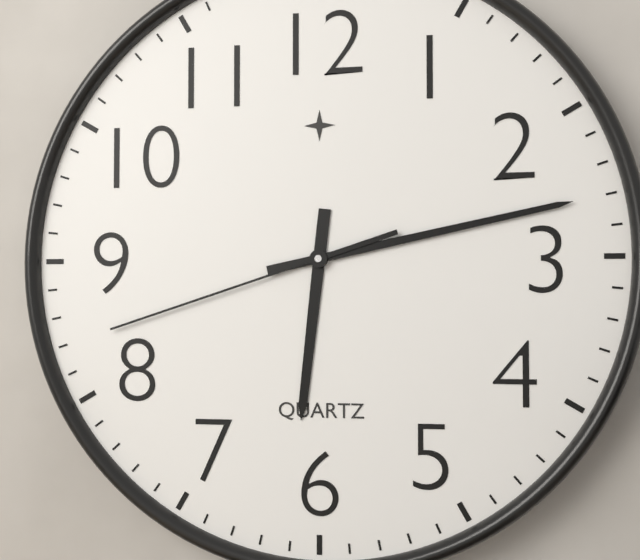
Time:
**6:13:42**
